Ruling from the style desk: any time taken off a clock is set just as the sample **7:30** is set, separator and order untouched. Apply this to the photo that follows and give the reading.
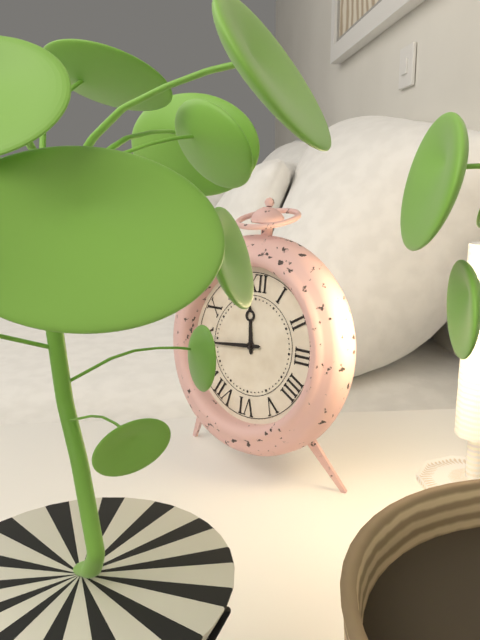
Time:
**11:44**
